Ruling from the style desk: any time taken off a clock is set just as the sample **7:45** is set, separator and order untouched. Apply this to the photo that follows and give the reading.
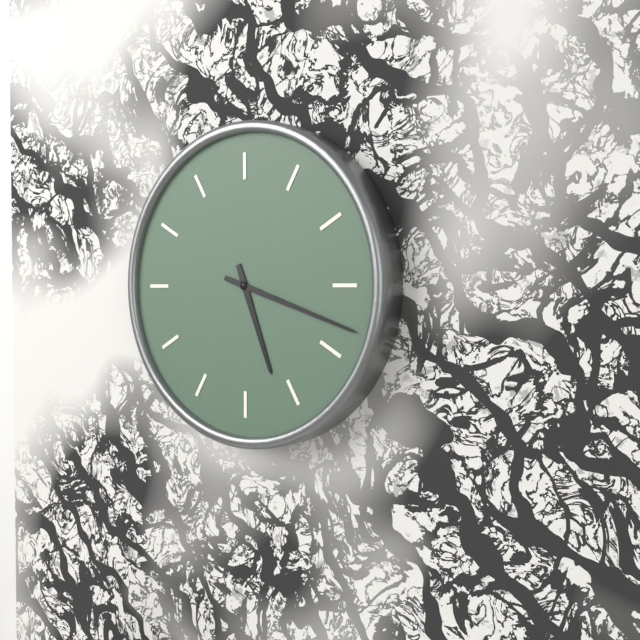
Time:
**5:18**
